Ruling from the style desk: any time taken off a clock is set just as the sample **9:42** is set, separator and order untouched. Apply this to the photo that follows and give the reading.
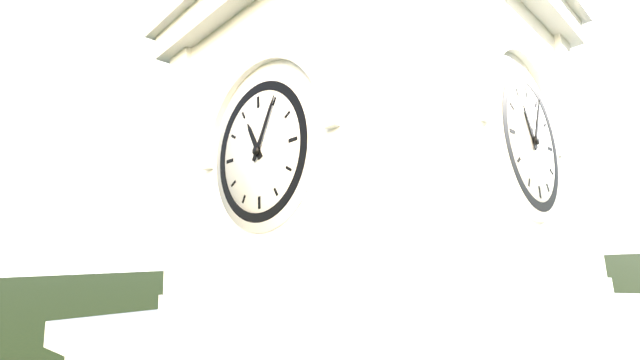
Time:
**11:05**
